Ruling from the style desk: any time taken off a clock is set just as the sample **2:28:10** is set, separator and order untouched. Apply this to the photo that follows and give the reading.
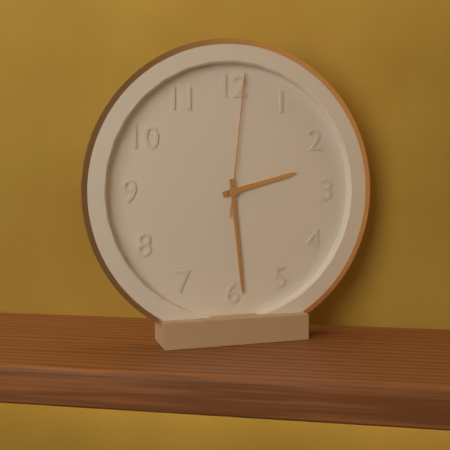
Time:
**2:29:01**
